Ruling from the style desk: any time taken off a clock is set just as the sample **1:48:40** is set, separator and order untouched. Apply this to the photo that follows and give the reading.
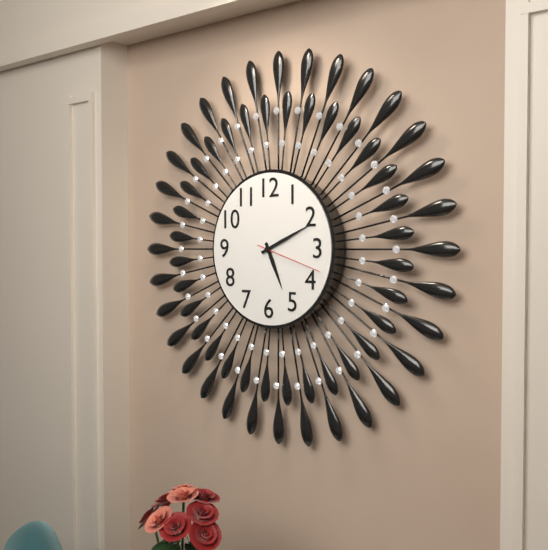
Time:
**5:11:18**
